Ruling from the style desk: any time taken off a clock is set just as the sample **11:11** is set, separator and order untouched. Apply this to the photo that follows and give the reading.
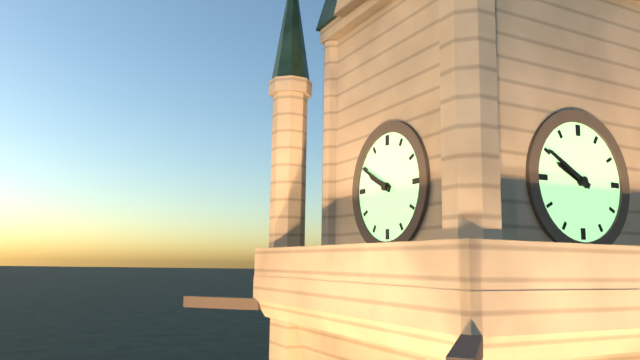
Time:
**9:50**
